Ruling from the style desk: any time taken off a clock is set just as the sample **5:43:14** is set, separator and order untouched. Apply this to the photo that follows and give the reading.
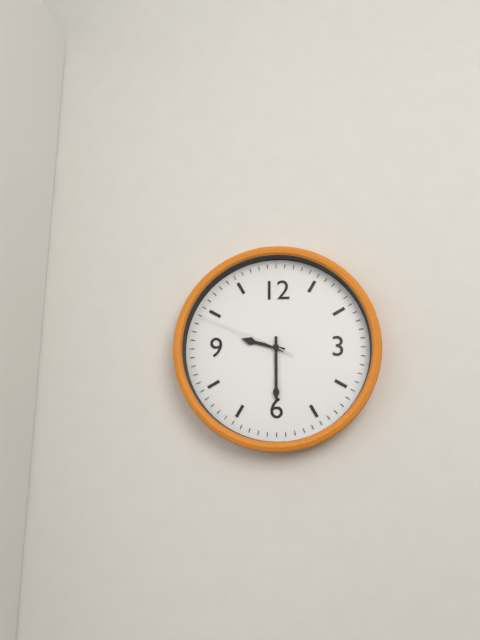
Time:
**9:30:49**
